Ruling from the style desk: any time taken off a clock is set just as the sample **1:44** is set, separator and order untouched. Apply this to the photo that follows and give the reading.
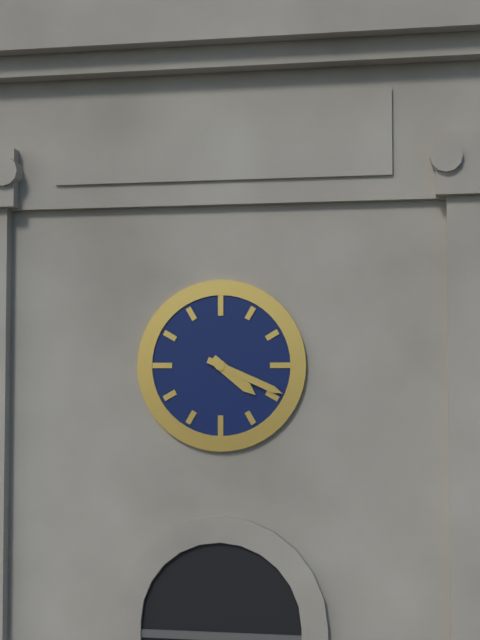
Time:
**4:19**
